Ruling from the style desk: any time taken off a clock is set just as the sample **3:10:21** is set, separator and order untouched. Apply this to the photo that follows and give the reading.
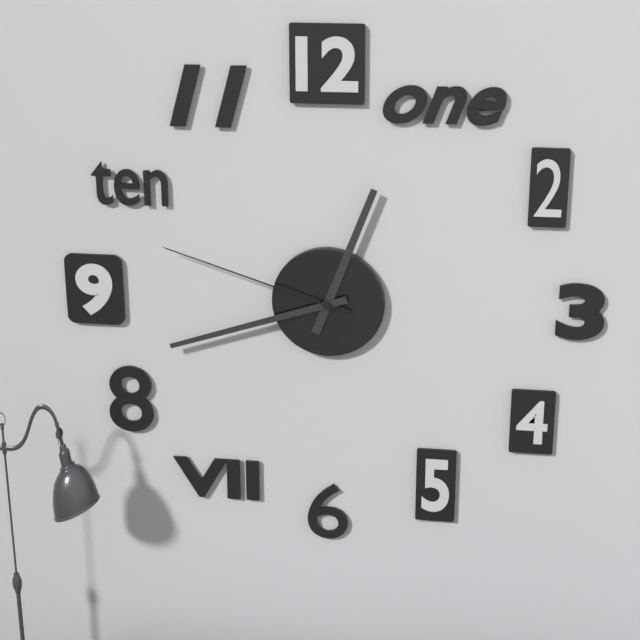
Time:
**12:42:48**
